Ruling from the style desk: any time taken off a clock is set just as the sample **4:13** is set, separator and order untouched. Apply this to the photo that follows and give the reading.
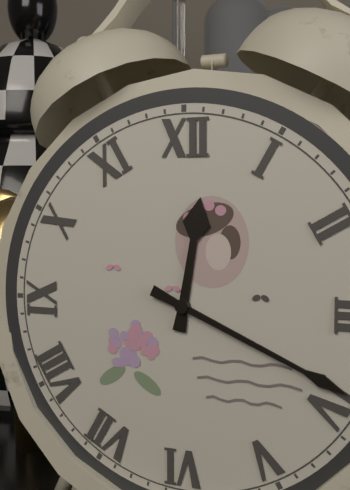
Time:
**12:19**
